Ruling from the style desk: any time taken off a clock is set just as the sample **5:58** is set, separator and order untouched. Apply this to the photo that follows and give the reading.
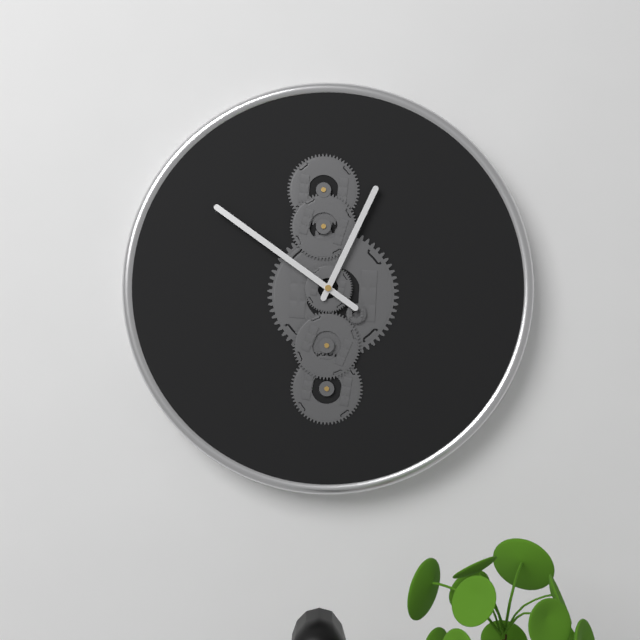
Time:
**12:51**
